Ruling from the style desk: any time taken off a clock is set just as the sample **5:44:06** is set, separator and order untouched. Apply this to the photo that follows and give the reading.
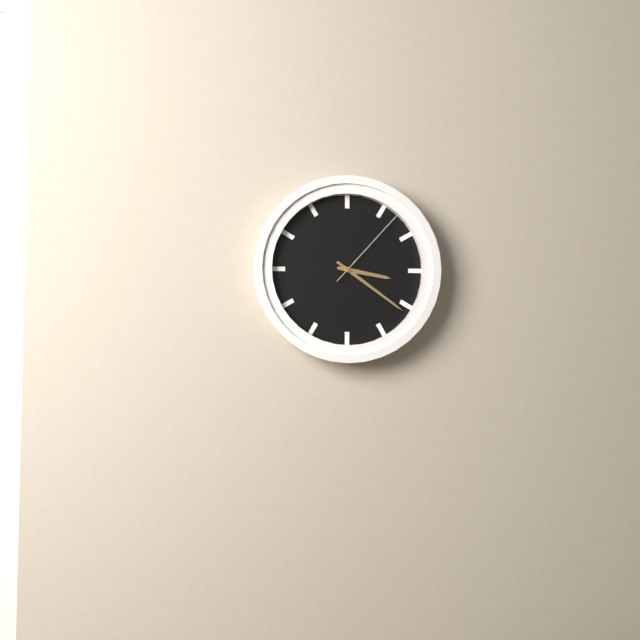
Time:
**3:21:07**
